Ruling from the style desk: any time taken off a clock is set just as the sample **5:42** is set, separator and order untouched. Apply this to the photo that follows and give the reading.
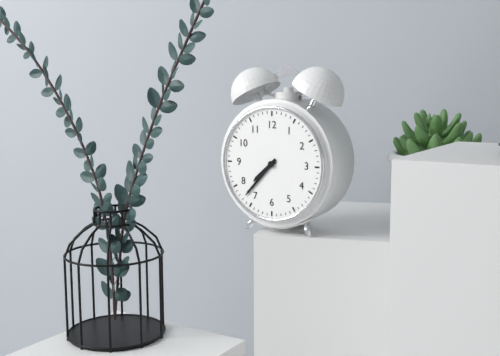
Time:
**7:37**
